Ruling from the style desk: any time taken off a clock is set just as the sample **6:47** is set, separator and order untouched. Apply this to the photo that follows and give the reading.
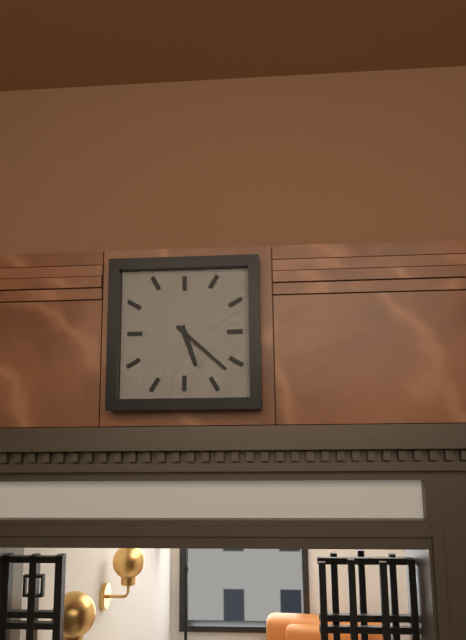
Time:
**5:22**
